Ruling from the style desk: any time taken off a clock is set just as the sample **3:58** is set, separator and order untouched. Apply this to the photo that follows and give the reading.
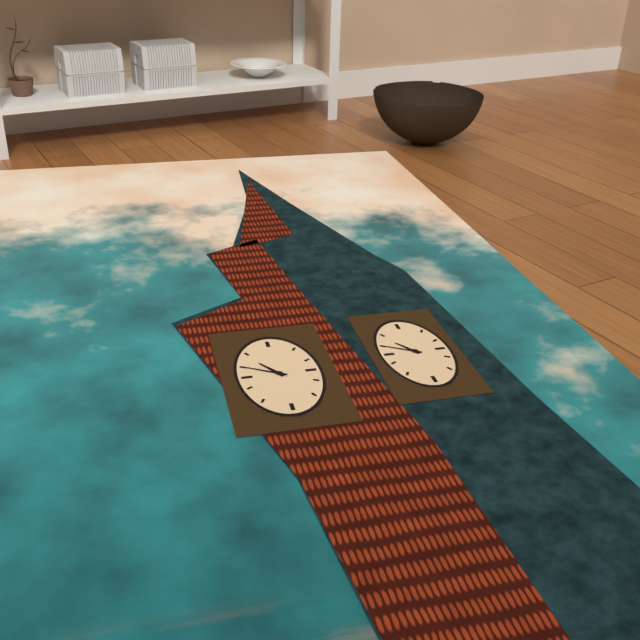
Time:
**10:50**
